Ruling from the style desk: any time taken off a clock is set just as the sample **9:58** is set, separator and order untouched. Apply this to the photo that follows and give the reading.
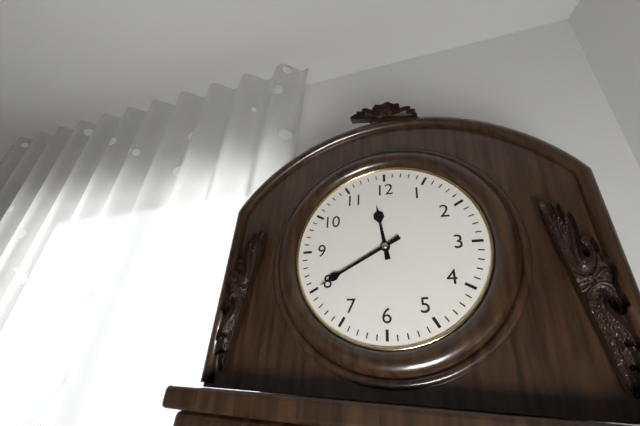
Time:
**11:40**
